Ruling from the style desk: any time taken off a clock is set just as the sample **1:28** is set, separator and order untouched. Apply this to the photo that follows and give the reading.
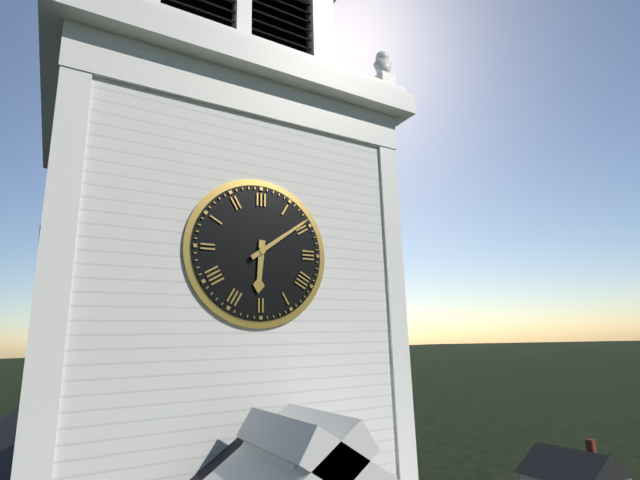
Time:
**6:09**
